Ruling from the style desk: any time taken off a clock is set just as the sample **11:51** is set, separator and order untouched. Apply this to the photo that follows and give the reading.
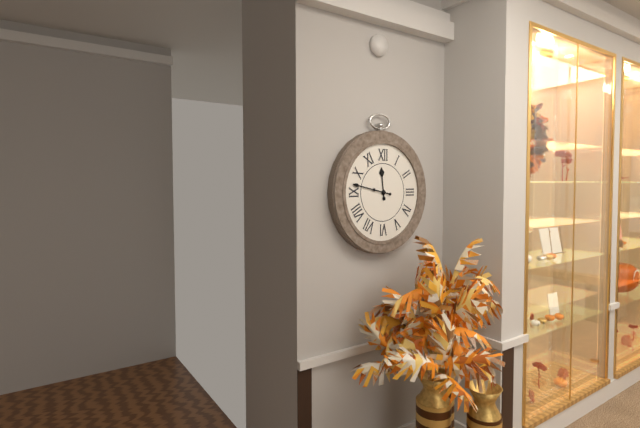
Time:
**11:47**
